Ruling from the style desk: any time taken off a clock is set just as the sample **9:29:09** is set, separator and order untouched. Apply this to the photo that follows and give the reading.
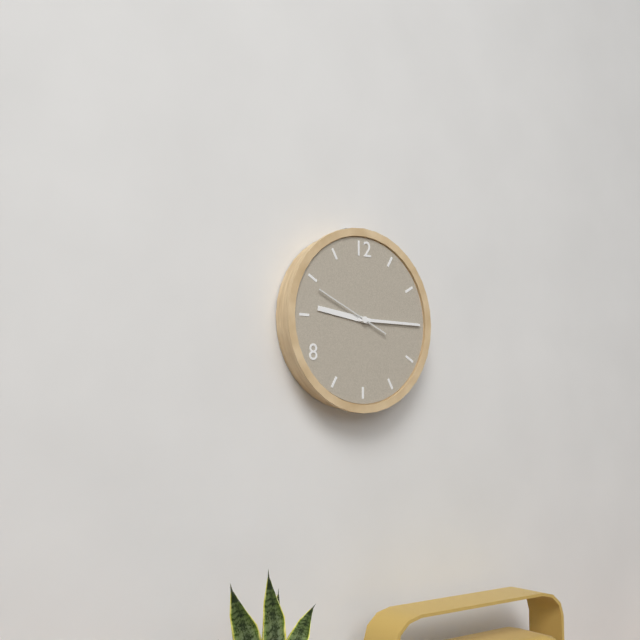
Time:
**9:15:49**
